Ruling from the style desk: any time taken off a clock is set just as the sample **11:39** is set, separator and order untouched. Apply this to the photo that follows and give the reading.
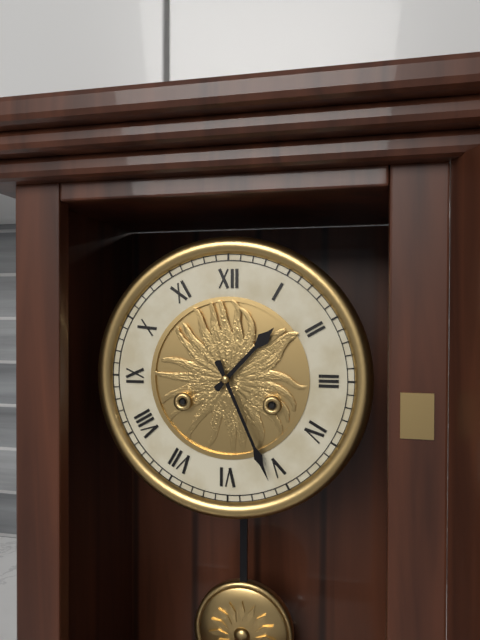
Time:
**1:26**
